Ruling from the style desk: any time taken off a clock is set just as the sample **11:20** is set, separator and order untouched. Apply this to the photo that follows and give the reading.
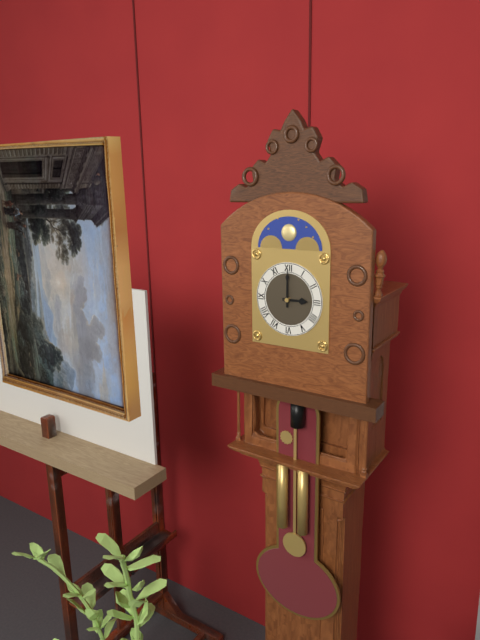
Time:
**3:00**
